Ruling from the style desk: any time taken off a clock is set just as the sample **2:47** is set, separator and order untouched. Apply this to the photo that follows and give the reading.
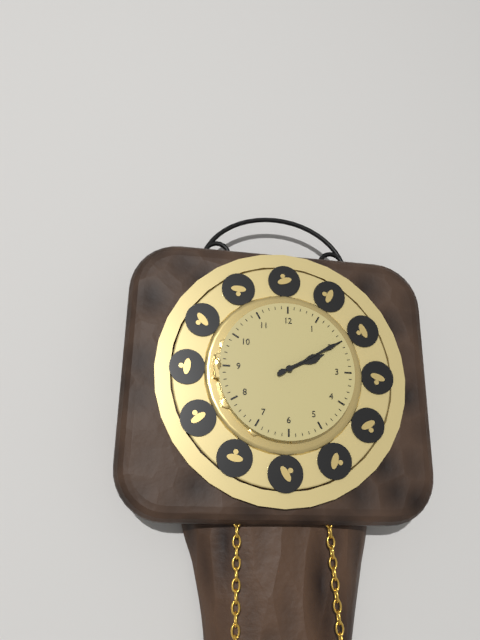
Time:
**2:10**
